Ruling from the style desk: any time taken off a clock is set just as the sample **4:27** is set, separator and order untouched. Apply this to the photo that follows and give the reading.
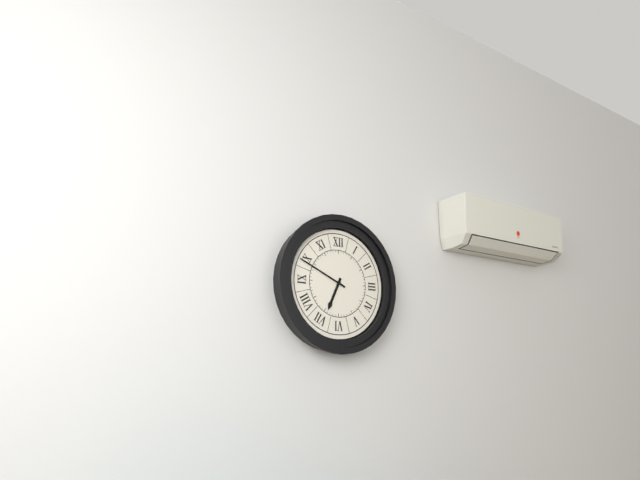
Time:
**6:49**
